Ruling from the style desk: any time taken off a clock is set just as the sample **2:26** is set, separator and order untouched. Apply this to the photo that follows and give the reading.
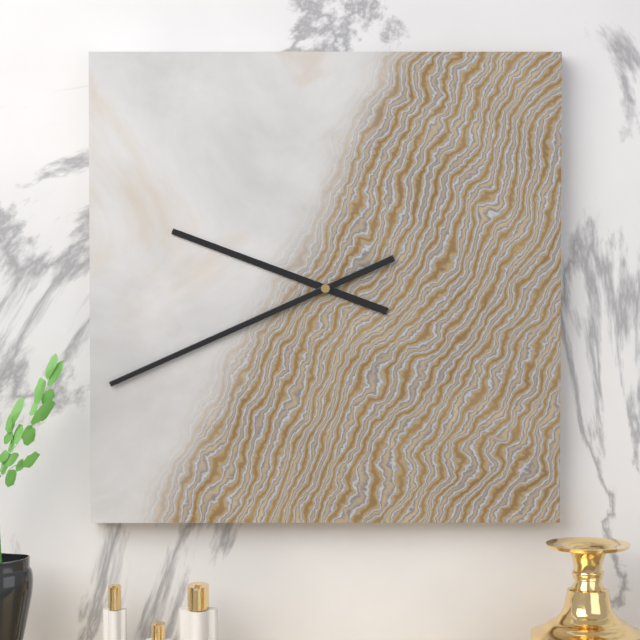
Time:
**9:41**
